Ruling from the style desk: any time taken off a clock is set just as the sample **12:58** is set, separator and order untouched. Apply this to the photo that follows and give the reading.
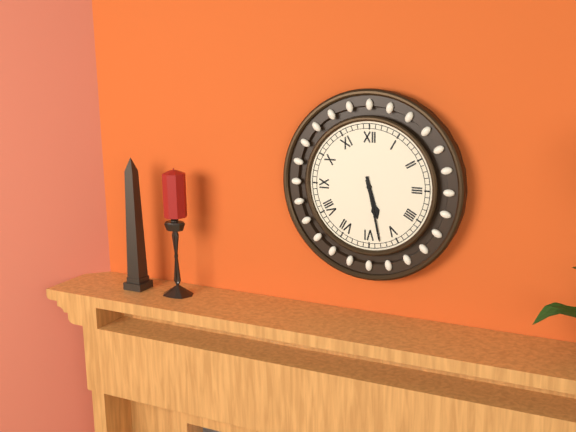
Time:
**5:28**
